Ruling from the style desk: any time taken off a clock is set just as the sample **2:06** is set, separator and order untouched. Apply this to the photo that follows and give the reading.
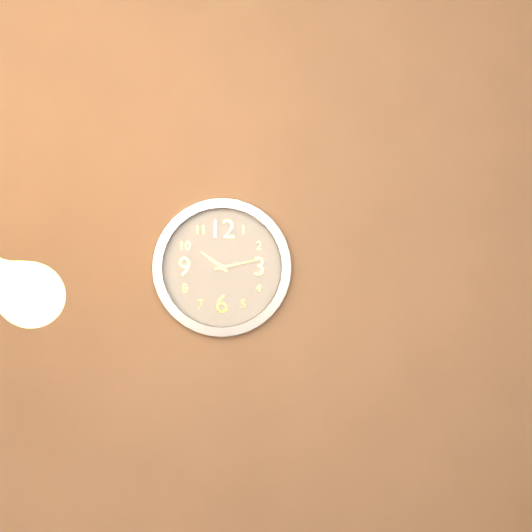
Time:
**10:13**
